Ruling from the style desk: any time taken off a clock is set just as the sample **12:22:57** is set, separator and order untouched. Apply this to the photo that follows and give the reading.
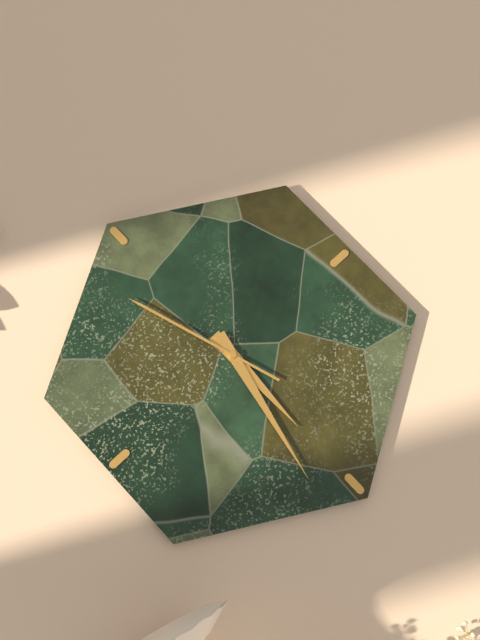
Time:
**12:02:27**
